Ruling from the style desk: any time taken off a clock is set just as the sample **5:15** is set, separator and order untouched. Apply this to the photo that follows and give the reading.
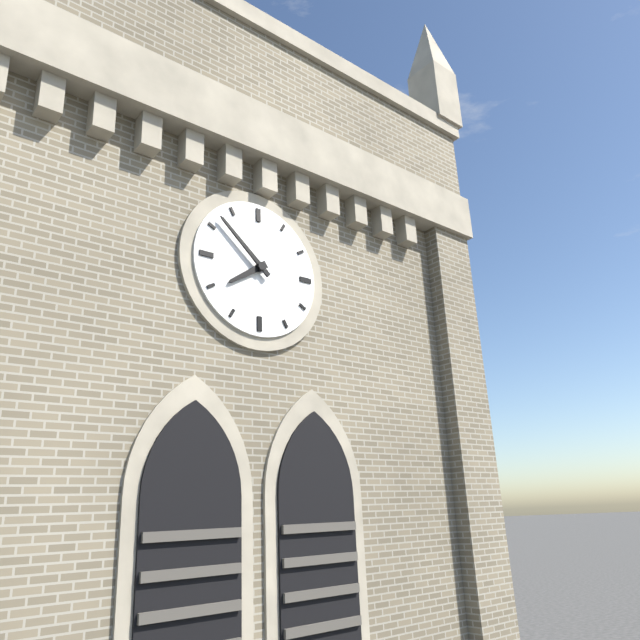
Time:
**7:52**
